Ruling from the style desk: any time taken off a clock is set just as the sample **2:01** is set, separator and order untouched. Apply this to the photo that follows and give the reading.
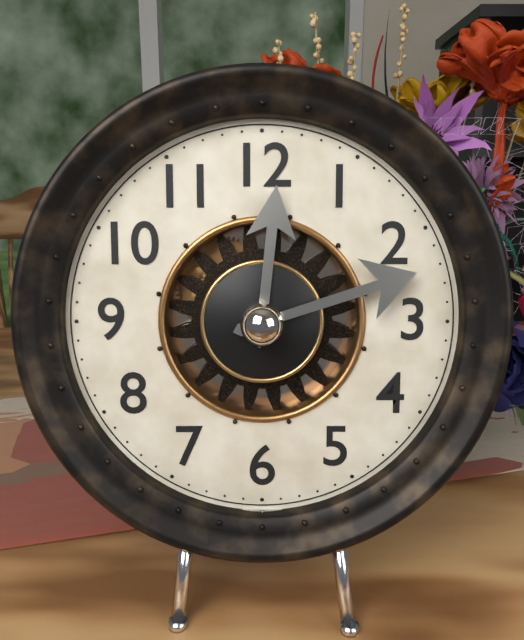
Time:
**12:12**
